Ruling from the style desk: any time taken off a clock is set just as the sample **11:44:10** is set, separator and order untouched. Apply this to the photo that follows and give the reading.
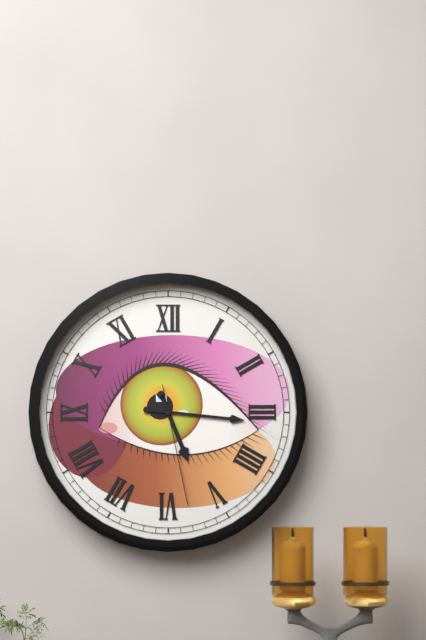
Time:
**5:16:28**
